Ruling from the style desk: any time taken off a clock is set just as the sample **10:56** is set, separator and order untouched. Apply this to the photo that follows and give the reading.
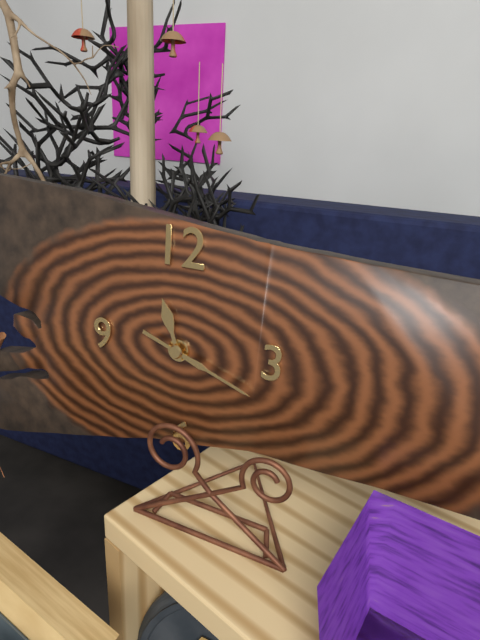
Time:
**11:18**
